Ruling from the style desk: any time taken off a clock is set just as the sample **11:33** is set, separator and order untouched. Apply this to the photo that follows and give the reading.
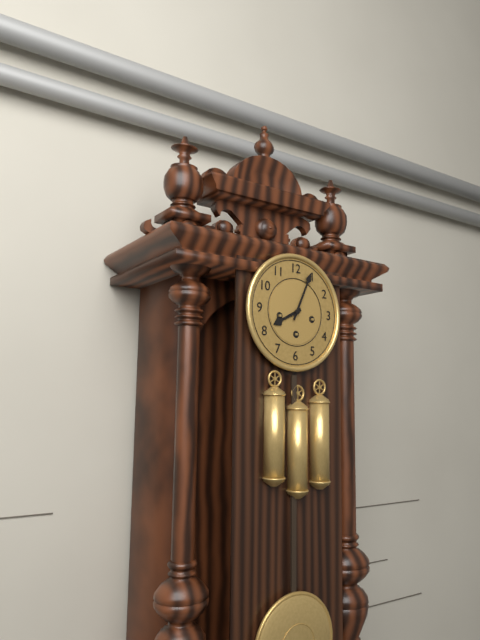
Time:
**8:04**
